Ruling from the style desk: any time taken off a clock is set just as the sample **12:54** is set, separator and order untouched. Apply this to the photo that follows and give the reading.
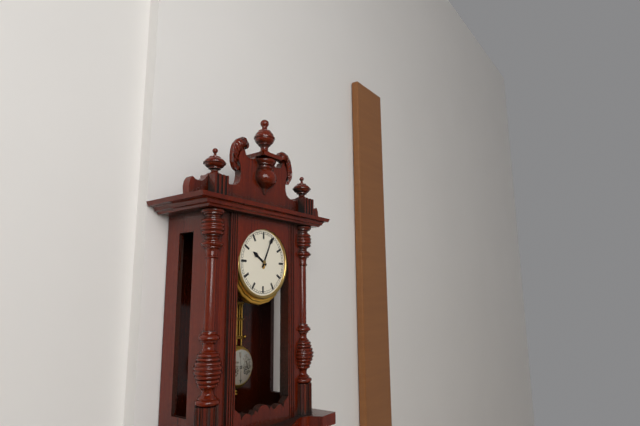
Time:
**10:04**
